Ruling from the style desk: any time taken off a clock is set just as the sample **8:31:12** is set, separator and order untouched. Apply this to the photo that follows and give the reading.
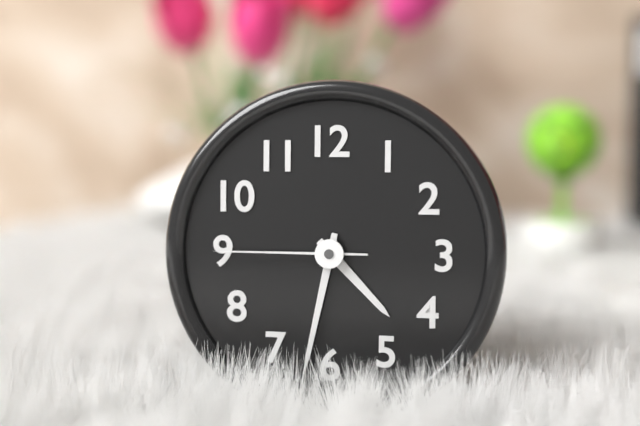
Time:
**4:32:45**
